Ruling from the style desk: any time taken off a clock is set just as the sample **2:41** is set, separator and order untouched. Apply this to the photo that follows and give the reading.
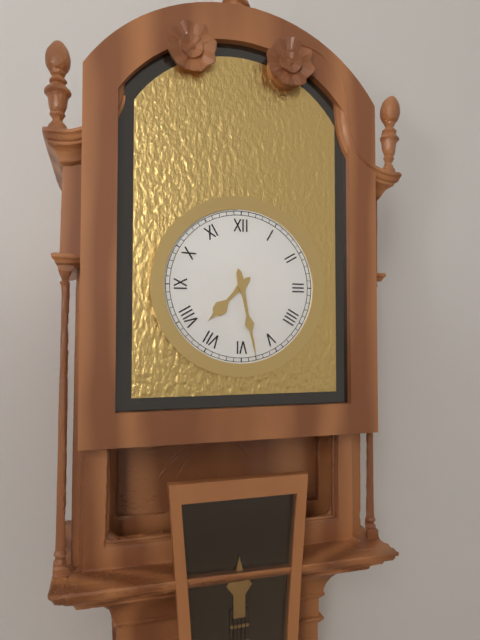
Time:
**7:28**
